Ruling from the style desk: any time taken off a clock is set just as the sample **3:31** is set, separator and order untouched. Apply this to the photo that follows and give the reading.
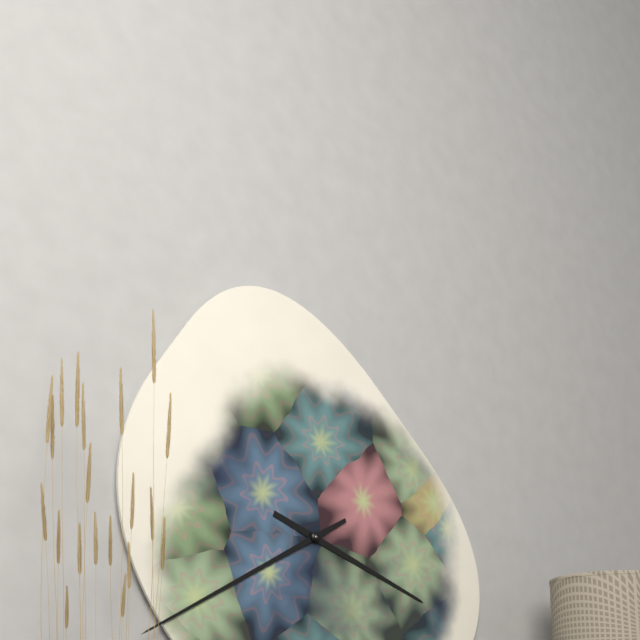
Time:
**3:40**
